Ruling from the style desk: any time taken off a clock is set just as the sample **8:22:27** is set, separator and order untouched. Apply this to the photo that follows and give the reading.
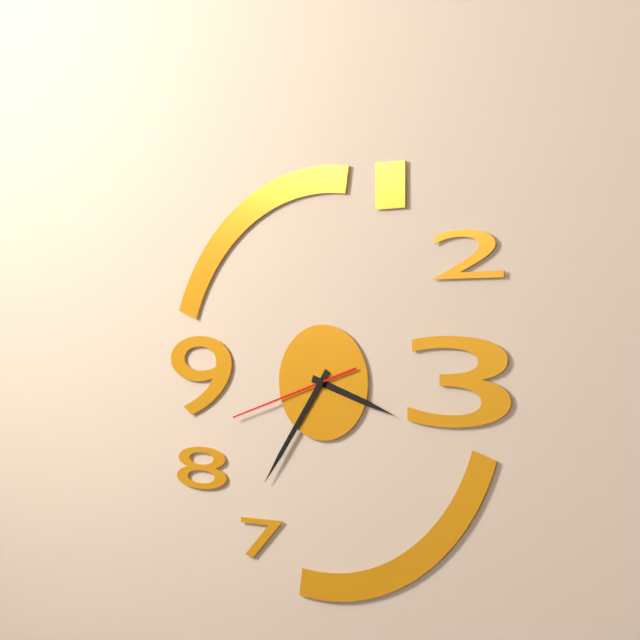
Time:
**3:36:42**
